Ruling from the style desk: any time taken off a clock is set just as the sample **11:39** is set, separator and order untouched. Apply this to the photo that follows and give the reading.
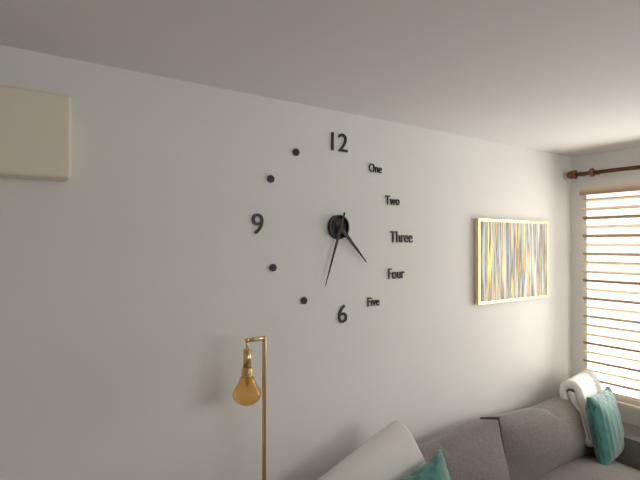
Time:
**4:33**
